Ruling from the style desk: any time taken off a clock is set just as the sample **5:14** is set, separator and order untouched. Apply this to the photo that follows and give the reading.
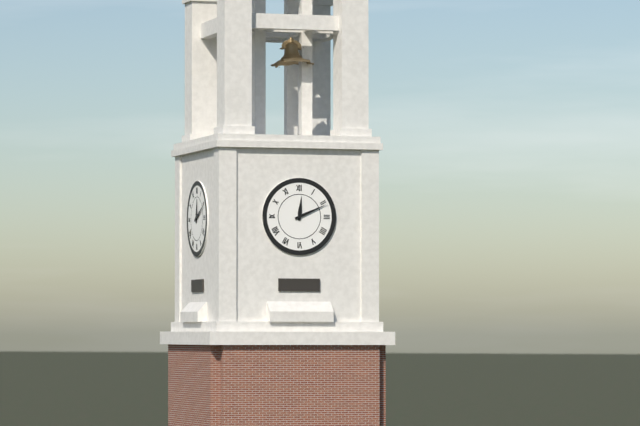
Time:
**12:11**
